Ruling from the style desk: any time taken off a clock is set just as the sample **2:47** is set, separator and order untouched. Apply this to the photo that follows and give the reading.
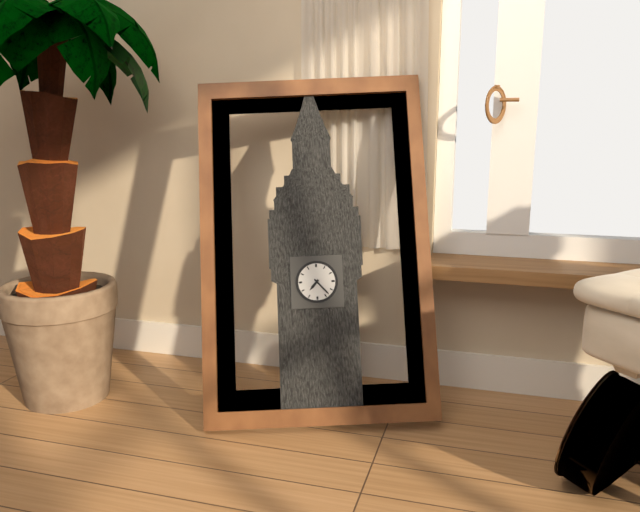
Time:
**7:23**
